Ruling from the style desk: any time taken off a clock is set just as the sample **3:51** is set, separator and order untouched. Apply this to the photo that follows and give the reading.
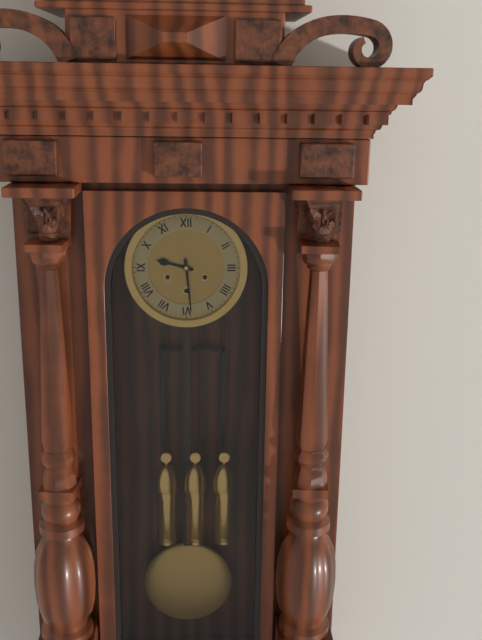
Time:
**9:29**
